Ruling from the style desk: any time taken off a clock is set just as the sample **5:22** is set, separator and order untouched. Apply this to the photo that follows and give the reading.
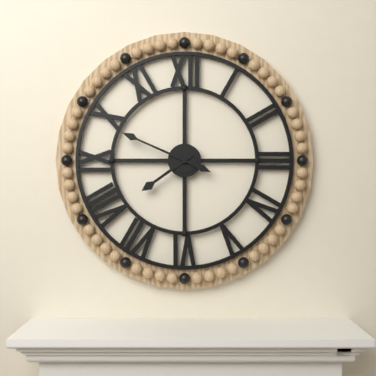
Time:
**7:49**
